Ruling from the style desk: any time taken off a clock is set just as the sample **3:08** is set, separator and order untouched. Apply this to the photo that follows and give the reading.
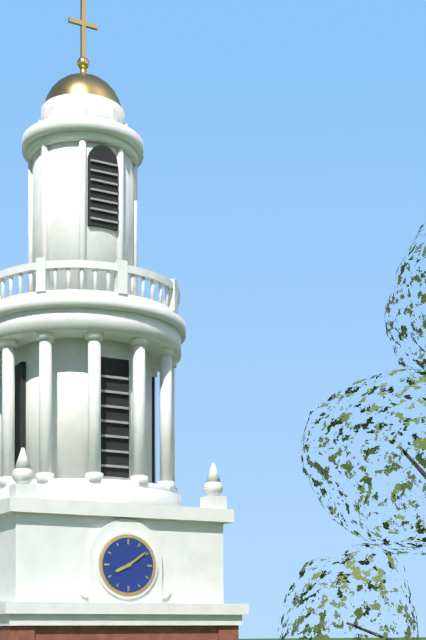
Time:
**8:09**
